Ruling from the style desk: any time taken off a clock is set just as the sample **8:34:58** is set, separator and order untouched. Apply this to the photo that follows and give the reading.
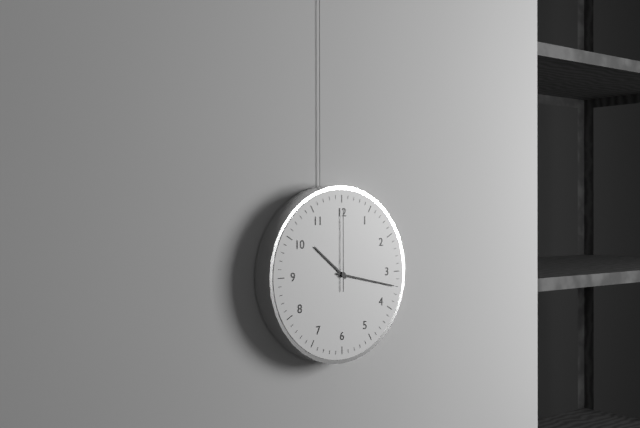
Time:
**10:17:00**
